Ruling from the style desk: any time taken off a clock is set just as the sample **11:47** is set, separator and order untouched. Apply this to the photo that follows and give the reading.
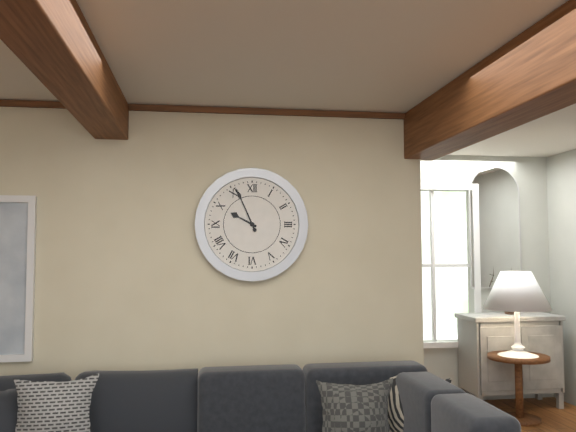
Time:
**9:56**
